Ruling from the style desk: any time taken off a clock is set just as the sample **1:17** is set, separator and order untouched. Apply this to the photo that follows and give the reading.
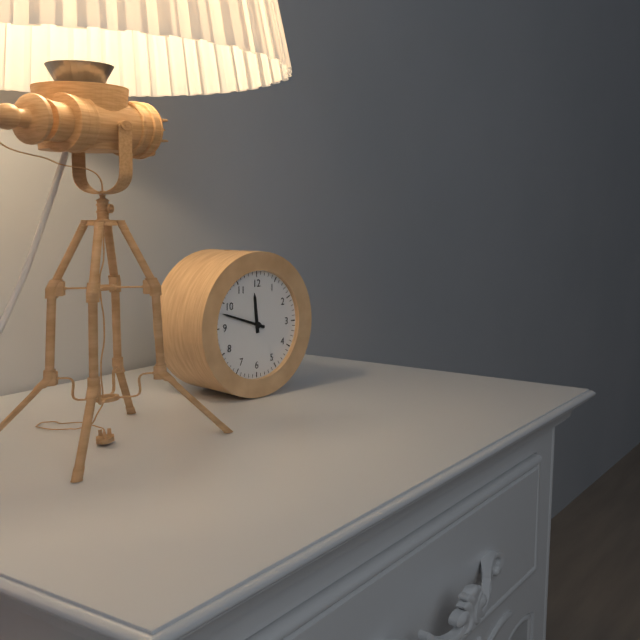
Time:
**11:48**
